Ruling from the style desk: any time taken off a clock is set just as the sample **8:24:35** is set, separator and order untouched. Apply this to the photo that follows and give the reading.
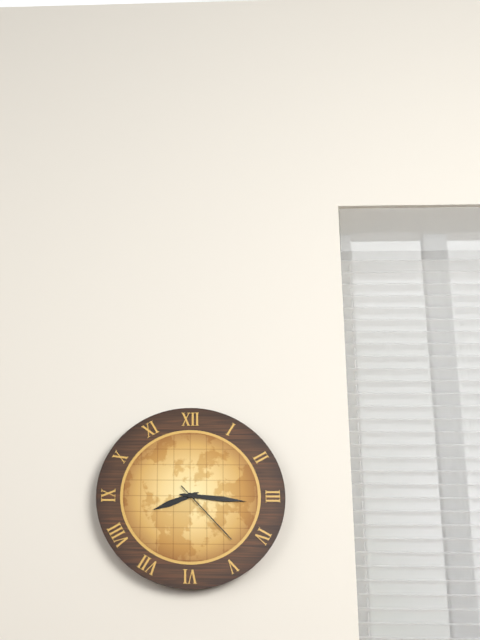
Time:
**8:16:23**
